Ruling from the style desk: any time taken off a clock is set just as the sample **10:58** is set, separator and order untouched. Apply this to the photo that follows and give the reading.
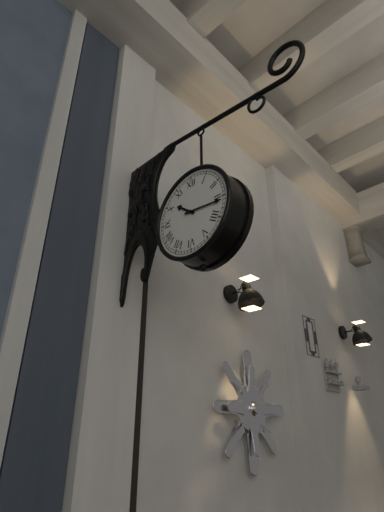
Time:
**10:16**
